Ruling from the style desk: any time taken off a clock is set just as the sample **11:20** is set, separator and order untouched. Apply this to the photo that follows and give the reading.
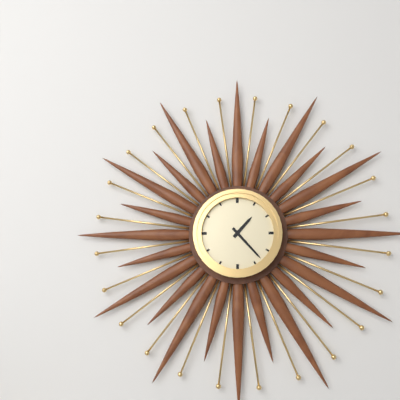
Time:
**1:23**
